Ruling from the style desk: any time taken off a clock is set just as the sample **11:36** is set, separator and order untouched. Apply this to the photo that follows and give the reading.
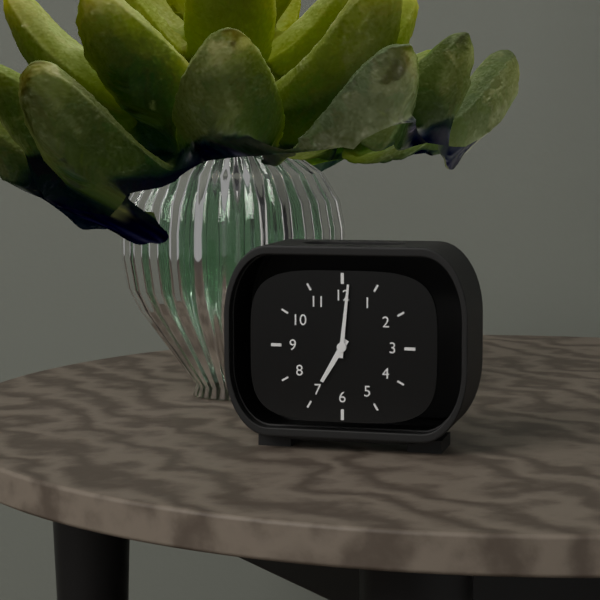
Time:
**7:01**
